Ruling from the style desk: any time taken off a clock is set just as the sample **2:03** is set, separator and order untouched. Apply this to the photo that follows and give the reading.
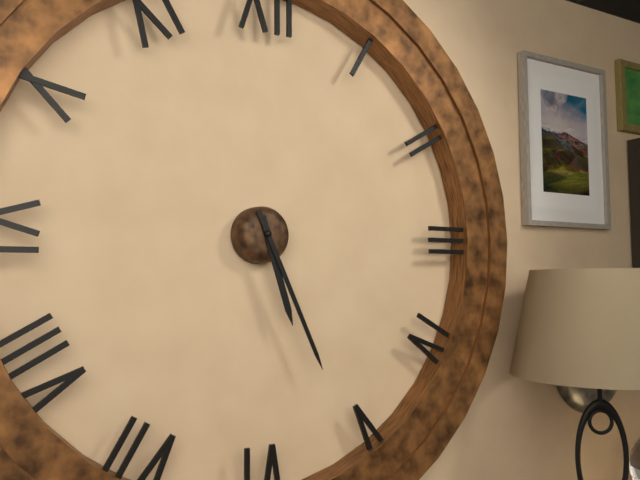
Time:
**5:26**
